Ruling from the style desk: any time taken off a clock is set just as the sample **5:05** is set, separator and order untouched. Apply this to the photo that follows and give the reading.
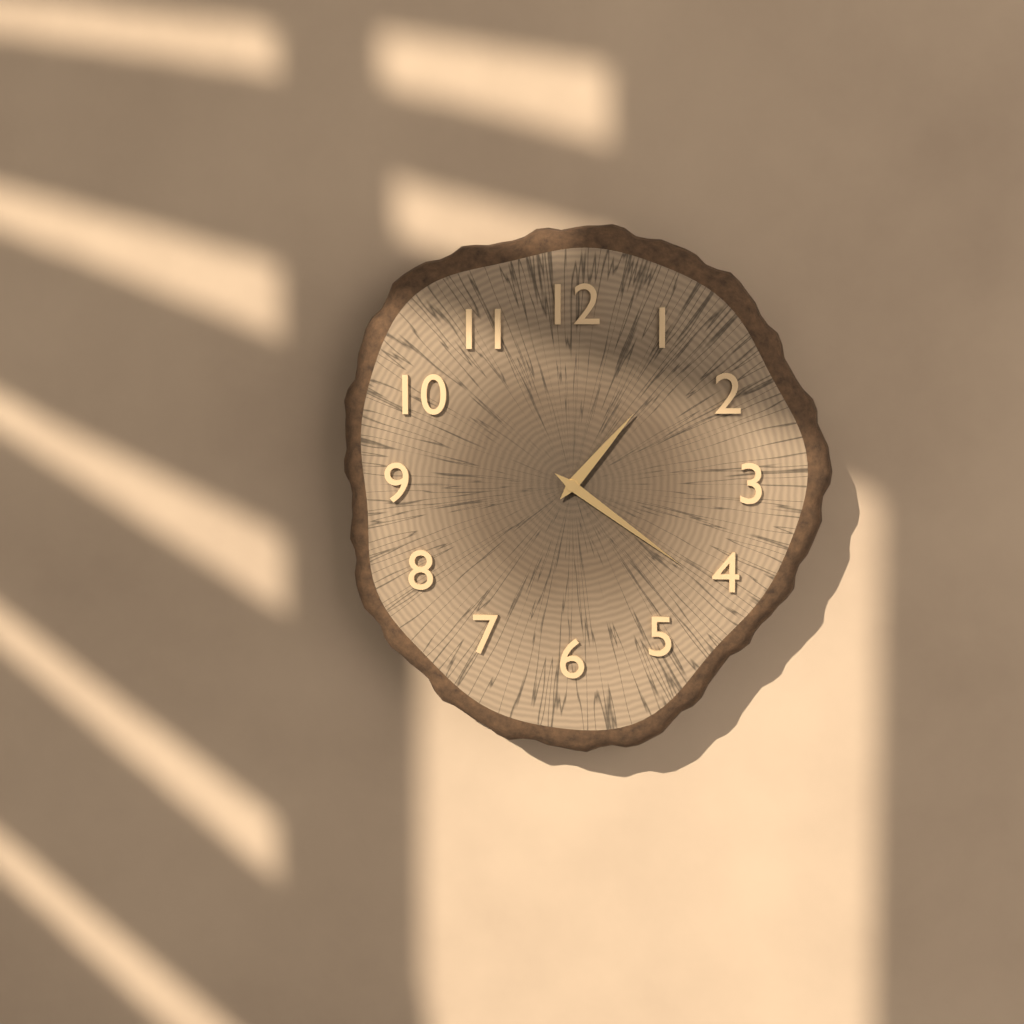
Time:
**1:21**
